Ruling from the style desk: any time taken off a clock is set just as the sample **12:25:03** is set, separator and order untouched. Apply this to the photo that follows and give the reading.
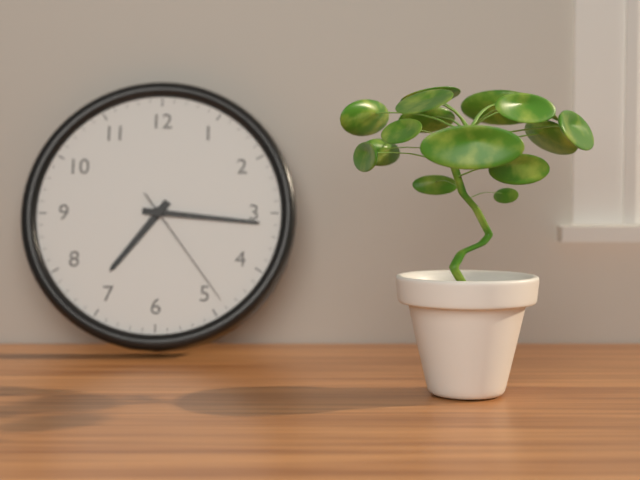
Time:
**7:16:24**
